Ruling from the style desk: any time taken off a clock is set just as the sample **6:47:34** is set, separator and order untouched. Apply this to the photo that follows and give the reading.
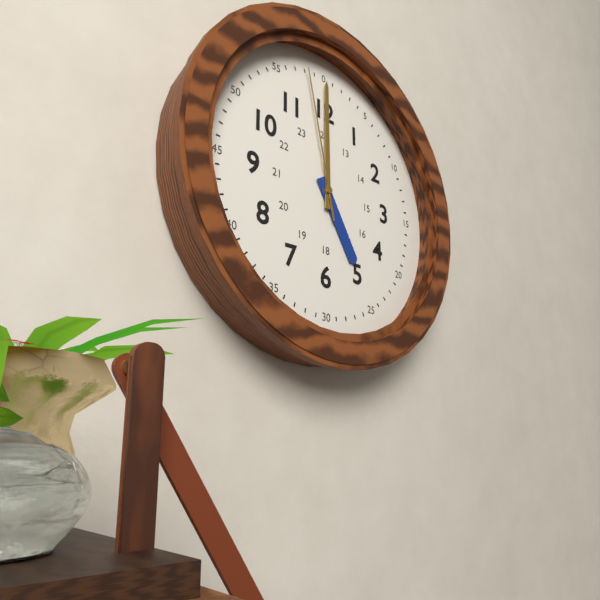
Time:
**5:00:58**
